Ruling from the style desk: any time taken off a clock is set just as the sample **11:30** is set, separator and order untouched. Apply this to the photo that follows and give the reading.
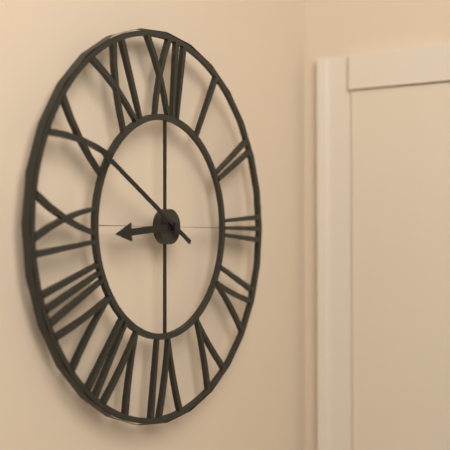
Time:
**8:50**
